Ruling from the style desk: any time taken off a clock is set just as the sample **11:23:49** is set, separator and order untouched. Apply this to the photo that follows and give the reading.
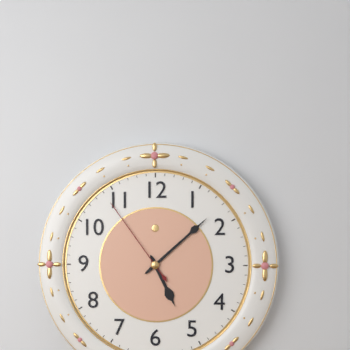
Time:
**5:08:54**
